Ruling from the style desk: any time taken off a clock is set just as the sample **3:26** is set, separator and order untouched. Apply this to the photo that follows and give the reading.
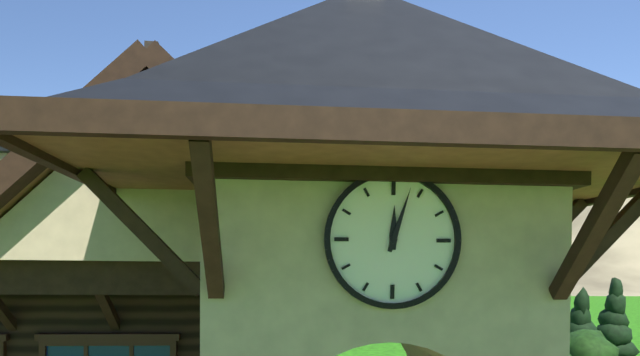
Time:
**12:03**
